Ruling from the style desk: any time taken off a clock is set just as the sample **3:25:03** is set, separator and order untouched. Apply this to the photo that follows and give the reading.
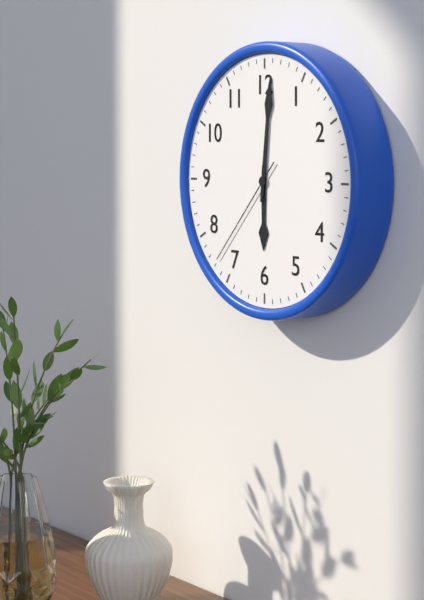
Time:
**6:01:37**
